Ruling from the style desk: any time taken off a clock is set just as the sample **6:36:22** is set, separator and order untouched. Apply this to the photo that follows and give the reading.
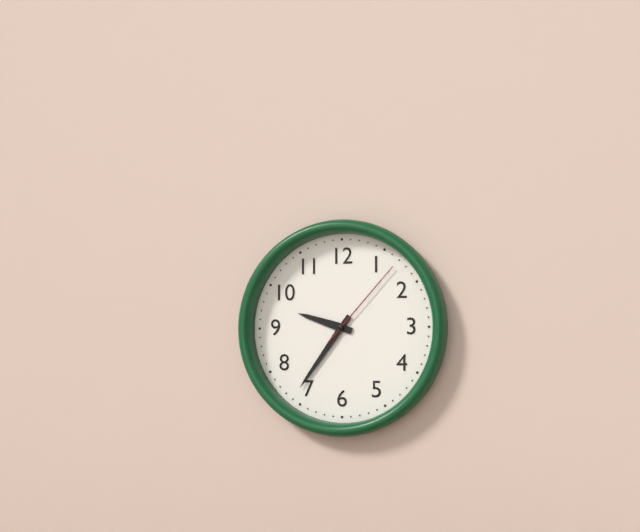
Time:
**9:36:07**
